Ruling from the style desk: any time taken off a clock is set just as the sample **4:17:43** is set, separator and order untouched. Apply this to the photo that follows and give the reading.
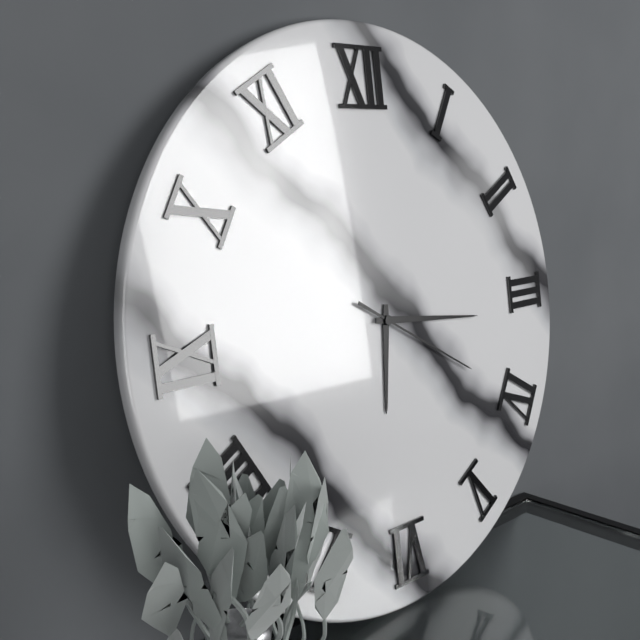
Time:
**6:16:20**
